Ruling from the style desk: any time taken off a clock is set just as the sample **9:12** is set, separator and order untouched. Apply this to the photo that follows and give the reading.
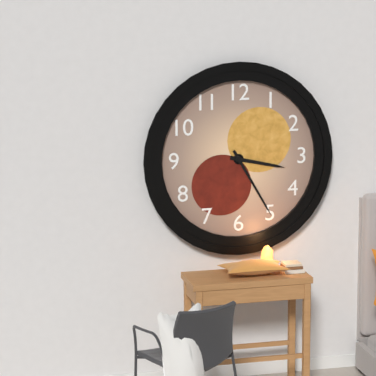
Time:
**3:25**
